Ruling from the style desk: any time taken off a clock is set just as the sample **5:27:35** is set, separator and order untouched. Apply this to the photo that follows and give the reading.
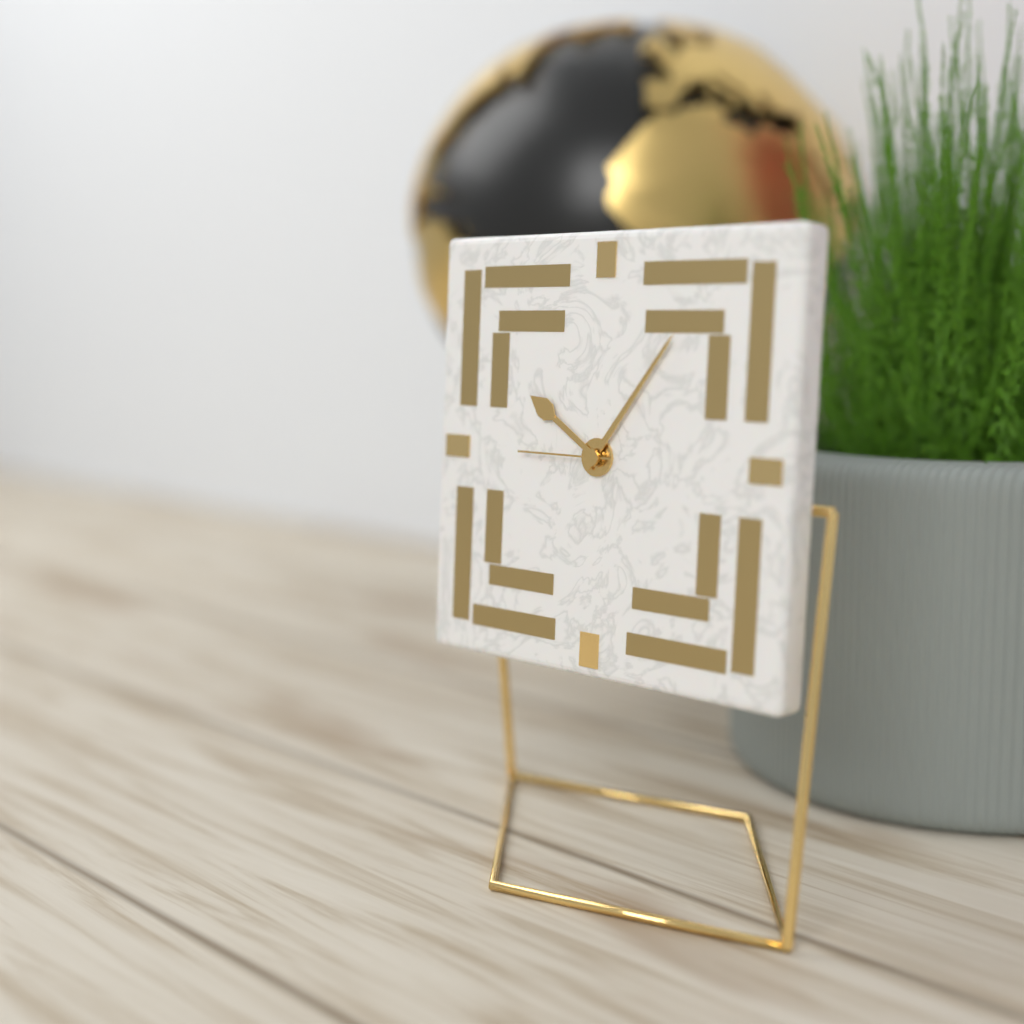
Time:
**10:06:45**
